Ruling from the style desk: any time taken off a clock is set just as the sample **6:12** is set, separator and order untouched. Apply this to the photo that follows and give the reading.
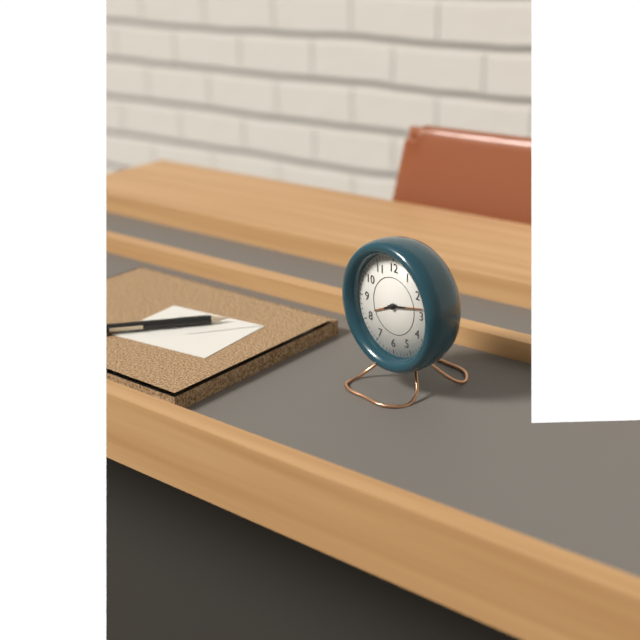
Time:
**8:13**
